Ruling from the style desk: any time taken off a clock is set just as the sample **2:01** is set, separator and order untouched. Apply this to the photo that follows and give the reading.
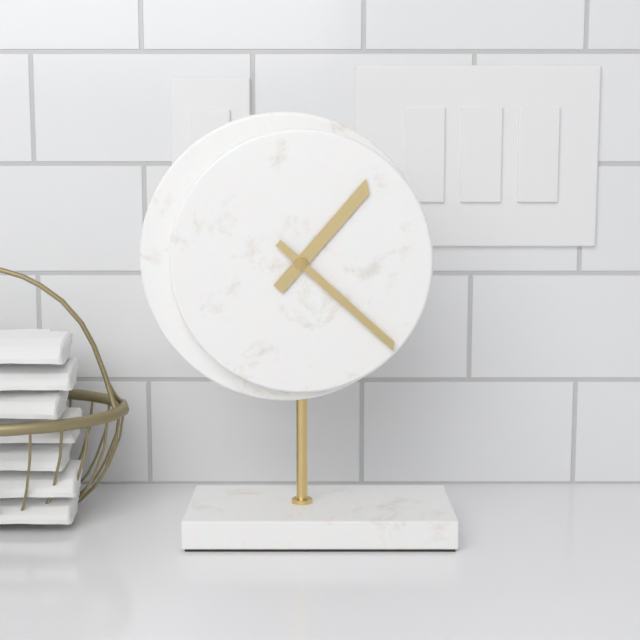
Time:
**1:22**
